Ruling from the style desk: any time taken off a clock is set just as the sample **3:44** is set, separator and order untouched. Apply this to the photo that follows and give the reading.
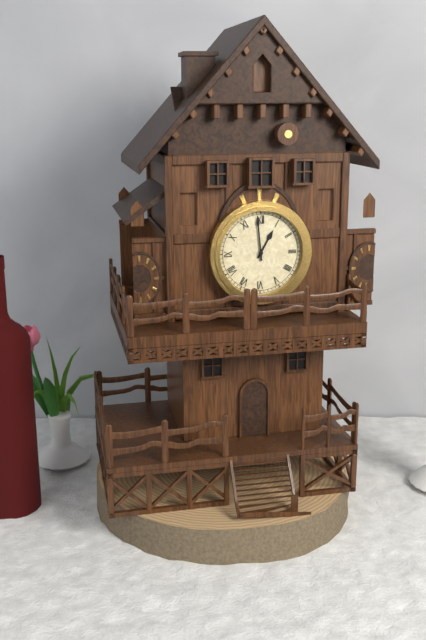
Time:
**12:59**
